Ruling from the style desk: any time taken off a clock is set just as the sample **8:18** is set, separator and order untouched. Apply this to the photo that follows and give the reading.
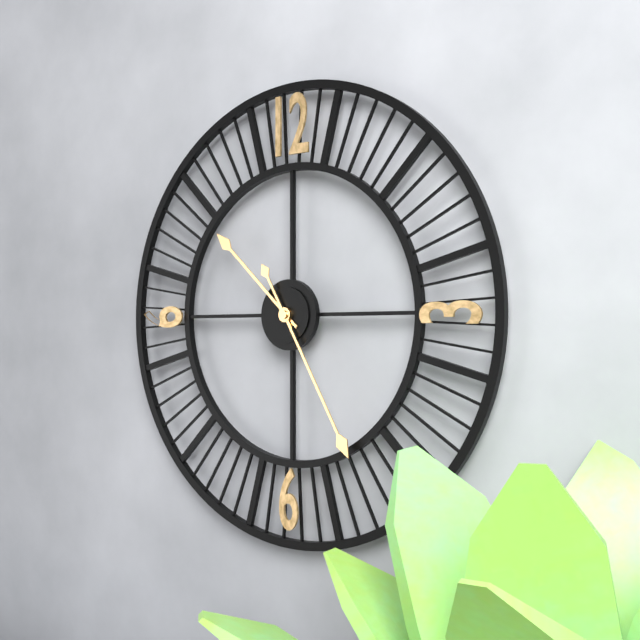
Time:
**10:25**
